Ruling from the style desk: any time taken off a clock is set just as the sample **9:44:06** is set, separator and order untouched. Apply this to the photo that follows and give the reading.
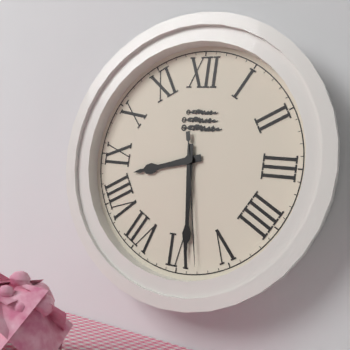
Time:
**8:29:28**
